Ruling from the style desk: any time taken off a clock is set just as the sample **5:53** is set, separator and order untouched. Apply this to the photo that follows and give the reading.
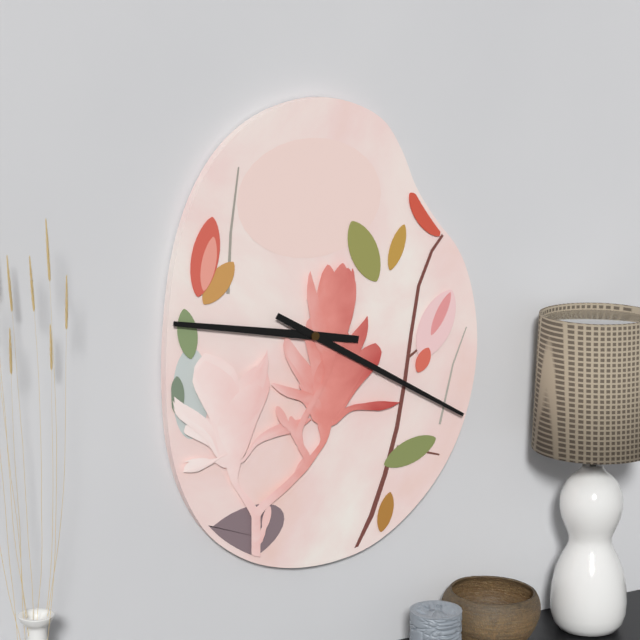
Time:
**9:20**
